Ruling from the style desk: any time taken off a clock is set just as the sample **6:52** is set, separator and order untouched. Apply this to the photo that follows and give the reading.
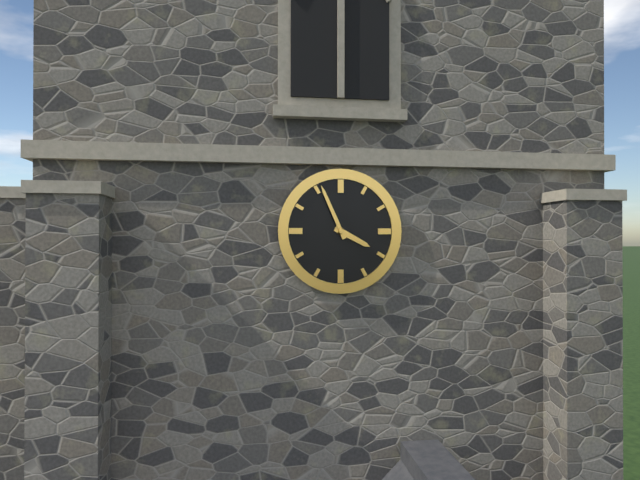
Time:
**3:56**
